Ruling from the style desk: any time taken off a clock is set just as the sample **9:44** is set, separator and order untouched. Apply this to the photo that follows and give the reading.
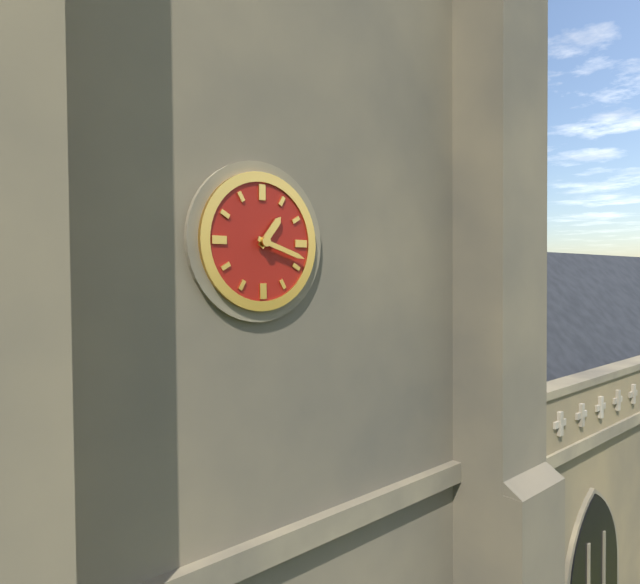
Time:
**1:18**
